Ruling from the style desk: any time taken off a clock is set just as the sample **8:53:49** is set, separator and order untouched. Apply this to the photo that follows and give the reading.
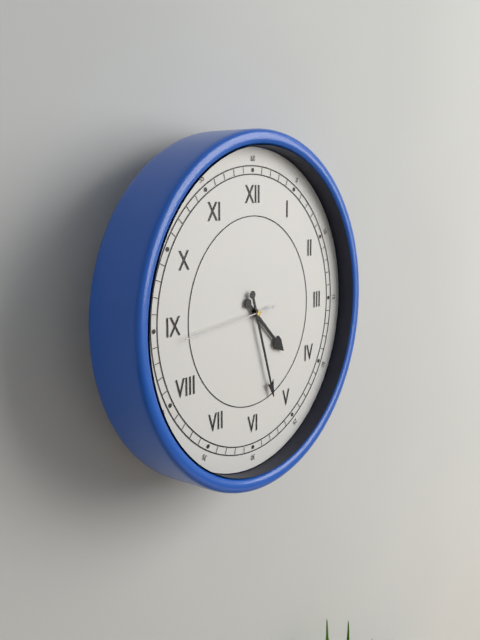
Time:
**4:27:44**
